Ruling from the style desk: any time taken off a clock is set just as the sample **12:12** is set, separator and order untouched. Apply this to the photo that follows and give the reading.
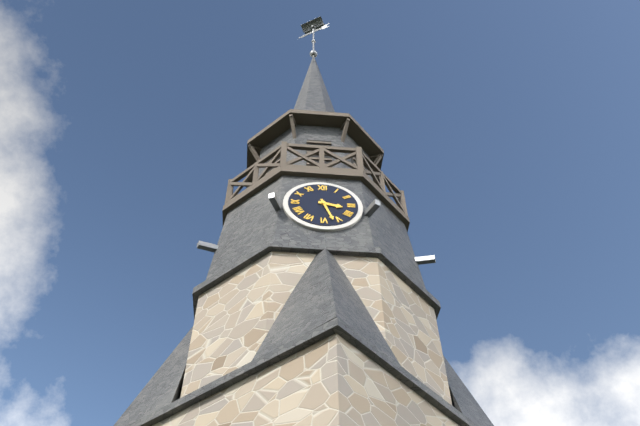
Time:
**3:27**
